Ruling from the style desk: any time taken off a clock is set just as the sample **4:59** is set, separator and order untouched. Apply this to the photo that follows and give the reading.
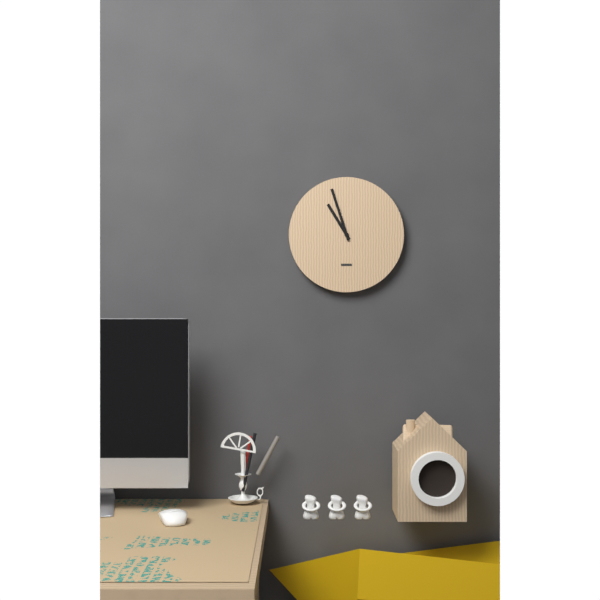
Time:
**10:57**
